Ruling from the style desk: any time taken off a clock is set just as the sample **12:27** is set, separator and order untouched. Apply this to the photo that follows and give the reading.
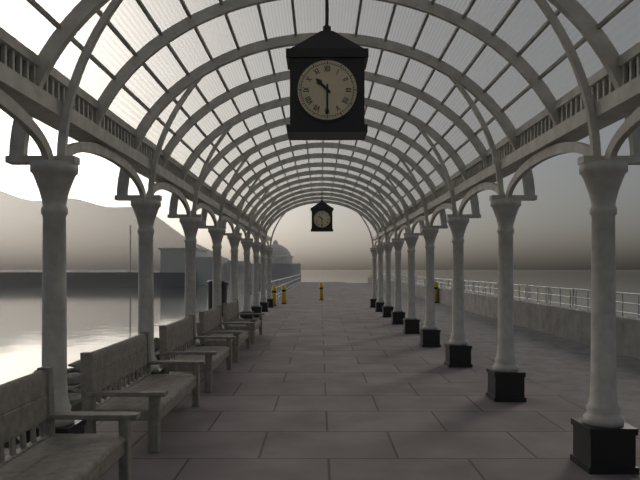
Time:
**10:30**
